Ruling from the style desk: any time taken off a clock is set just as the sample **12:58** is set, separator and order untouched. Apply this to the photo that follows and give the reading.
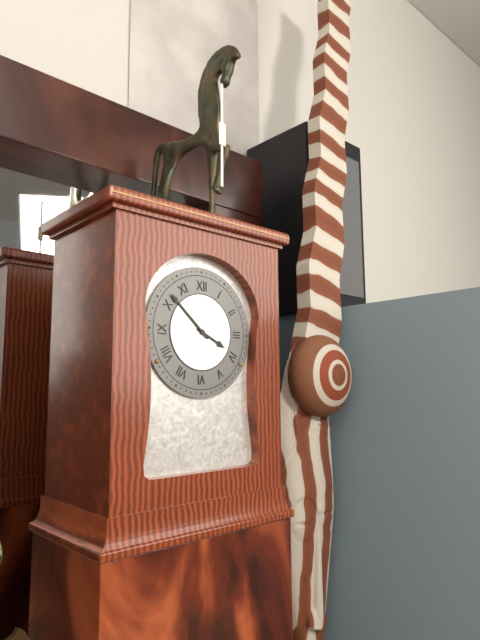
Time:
**3:52**
